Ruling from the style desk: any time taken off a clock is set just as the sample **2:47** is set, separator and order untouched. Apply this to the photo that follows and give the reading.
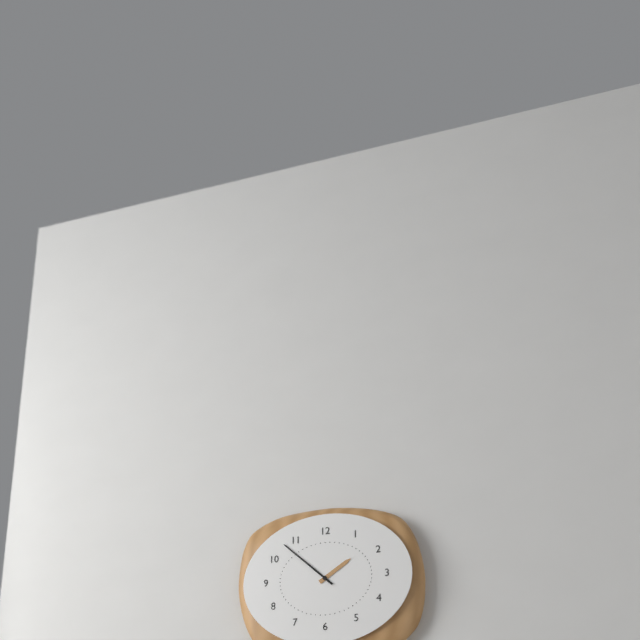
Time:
**1:52**
